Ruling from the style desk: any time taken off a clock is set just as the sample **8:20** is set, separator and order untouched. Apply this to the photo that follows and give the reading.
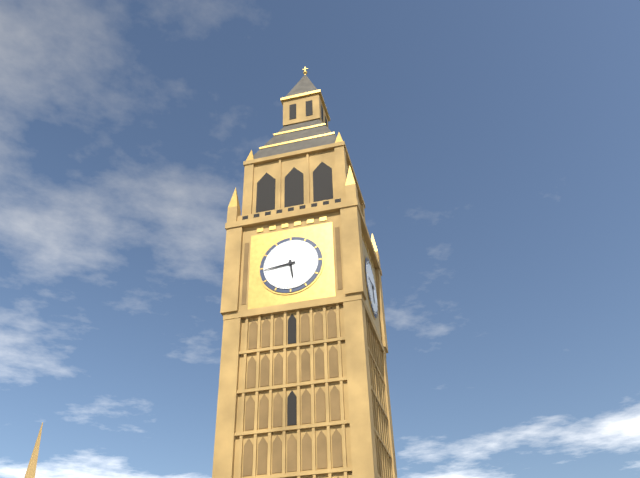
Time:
**5:44**
